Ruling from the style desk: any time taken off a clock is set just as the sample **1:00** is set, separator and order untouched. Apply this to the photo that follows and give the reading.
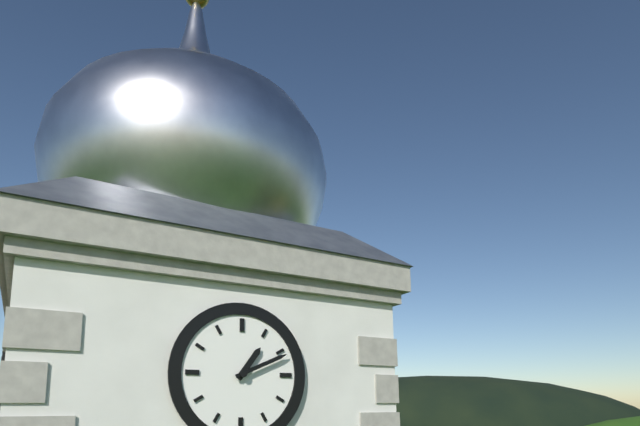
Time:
**1:11**
